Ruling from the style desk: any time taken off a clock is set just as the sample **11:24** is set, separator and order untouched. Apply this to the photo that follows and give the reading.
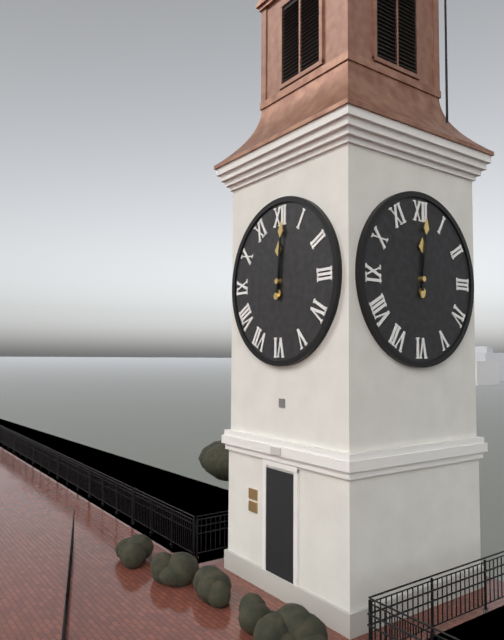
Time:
**12:01**
